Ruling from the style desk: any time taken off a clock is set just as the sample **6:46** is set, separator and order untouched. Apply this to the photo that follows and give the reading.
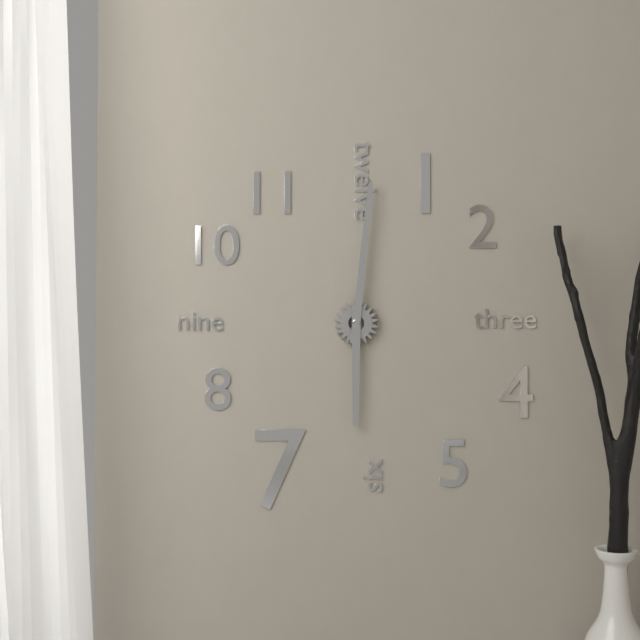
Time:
**6:01**
